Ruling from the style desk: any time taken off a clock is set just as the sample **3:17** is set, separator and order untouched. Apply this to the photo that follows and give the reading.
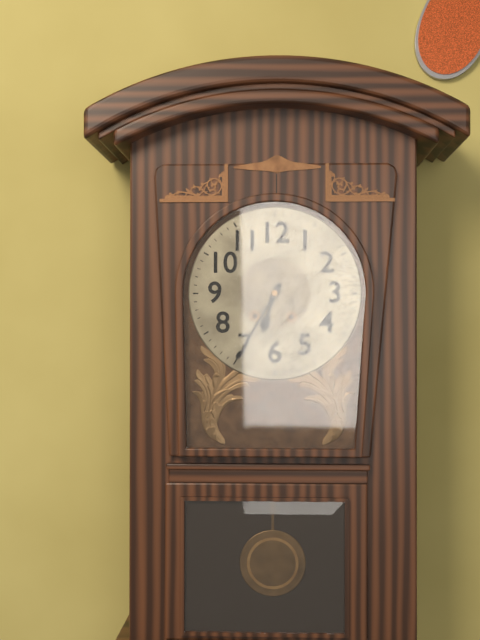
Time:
**6:35**
